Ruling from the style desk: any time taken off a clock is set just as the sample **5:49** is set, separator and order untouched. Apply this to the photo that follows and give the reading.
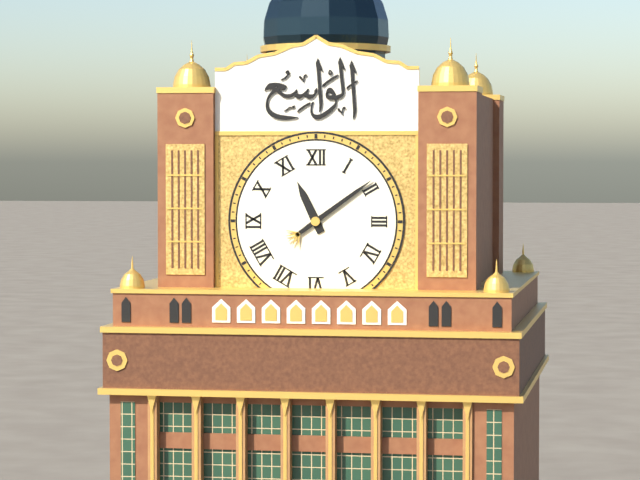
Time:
**11:09**
